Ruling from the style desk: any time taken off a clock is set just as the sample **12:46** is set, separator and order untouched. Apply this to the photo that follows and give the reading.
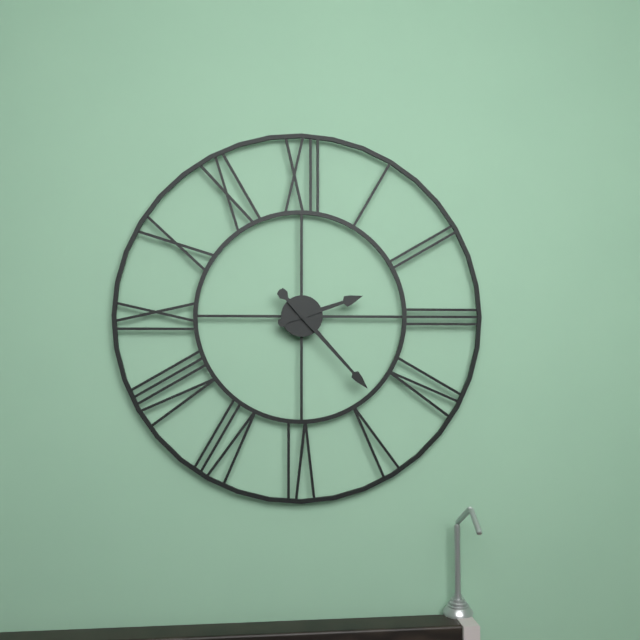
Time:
**2:23**
